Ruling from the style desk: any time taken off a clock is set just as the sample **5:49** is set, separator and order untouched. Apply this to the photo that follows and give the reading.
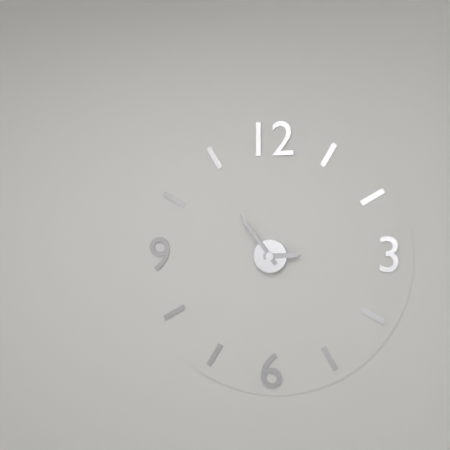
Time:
**2:54**
